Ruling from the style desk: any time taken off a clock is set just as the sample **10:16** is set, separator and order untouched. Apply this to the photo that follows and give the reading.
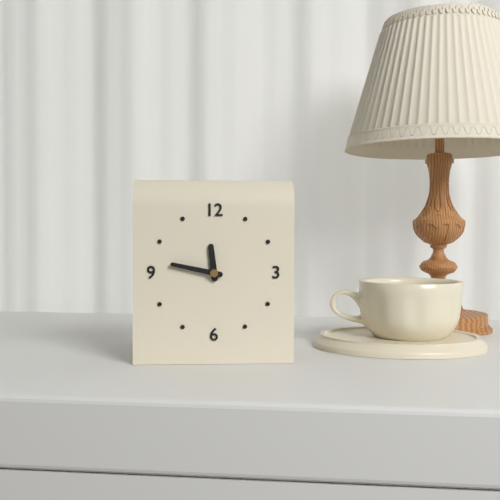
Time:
**11:47**
